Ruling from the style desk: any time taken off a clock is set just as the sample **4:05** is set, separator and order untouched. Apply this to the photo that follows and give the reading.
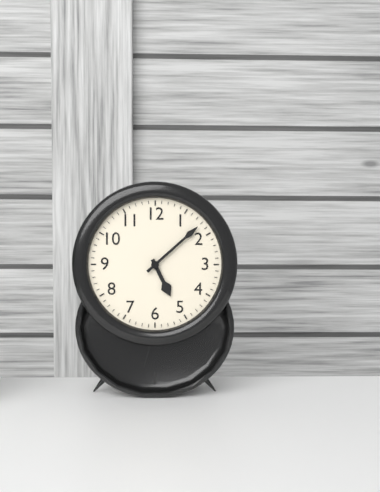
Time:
**5:08**
